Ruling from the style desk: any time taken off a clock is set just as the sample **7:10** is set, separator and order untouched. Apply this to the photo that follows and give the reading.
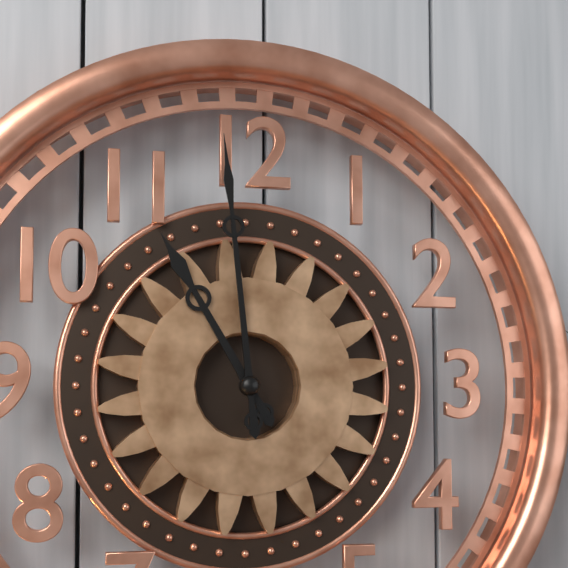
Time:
**10:59**
